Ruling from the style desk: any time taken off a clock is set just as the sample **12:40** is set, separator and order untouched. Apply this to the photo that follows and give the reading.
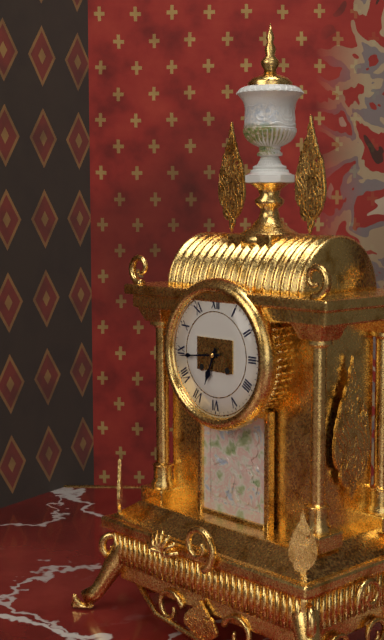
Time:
**6:44**
